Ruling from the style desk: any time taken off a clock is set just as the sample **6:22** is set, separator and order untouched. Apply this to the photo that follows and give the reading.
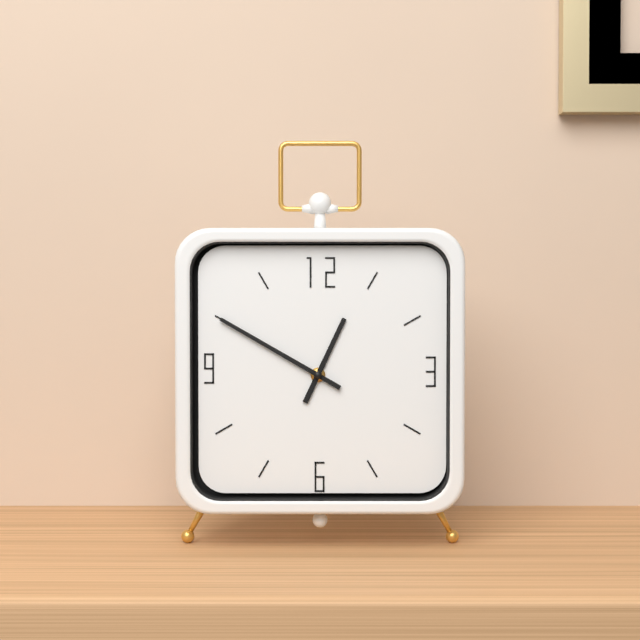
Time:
**12:50**
